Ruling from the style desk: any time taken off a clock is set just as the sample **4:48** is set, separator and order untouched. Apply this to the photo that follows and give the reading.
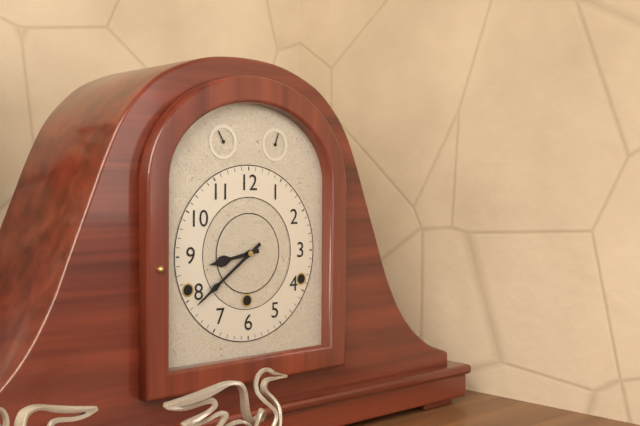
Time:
**8:39**
